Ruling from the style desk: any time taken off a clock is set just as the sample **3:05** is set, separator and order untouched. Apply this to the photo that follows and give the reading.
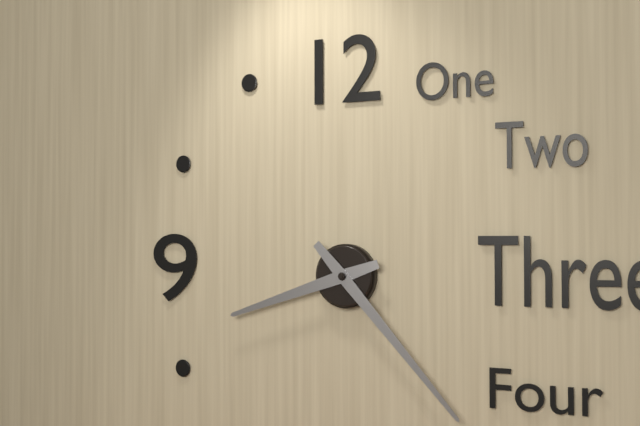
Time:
**8:23**
